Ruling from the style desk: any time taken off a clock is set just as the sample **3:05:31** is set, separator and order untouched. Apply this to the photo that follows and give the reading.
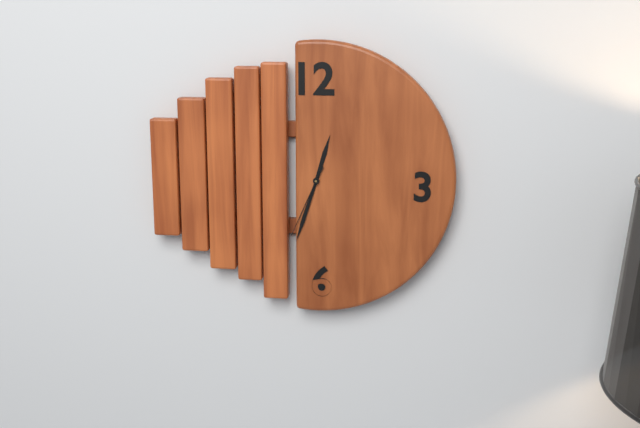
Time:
**12:33:34**
